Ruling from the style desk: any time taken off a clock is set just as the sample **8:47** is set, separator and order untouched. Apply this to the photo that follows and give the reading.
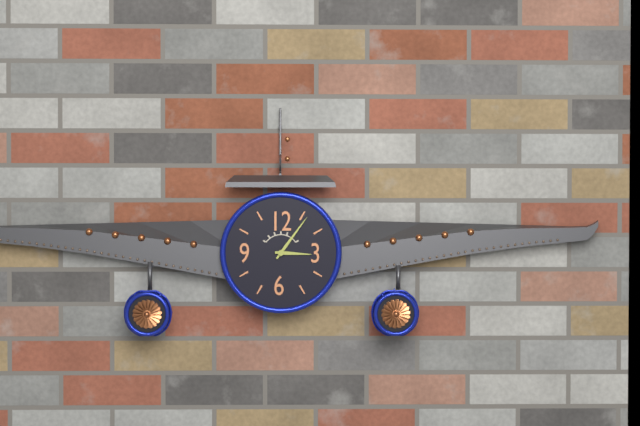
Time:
**3:06**
